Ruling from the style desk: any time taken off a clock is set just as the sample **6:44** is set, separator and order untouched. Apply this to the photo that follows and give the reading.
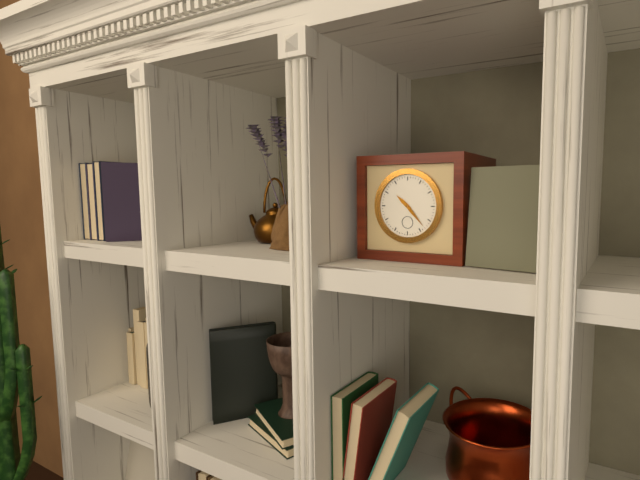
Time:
**10:23**
